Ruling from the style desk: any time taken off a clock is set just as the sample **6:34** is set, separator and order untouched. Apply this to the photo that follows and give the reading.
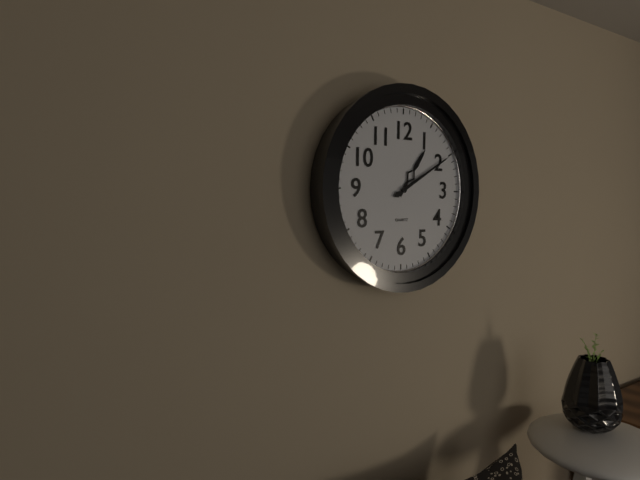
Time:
**1:10**
